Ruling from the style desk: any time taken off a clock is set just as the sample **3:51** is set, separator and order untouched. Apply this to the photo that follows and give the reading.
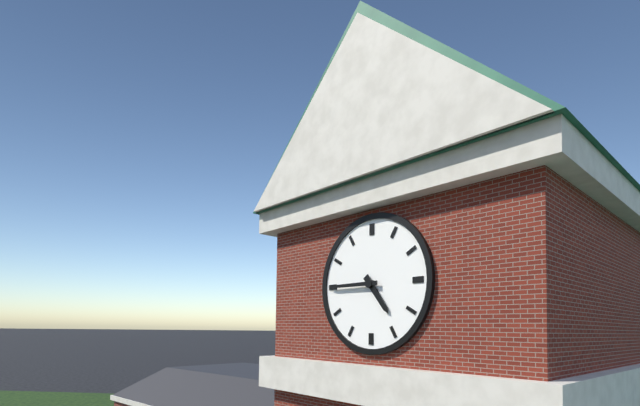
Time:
**4:45**
